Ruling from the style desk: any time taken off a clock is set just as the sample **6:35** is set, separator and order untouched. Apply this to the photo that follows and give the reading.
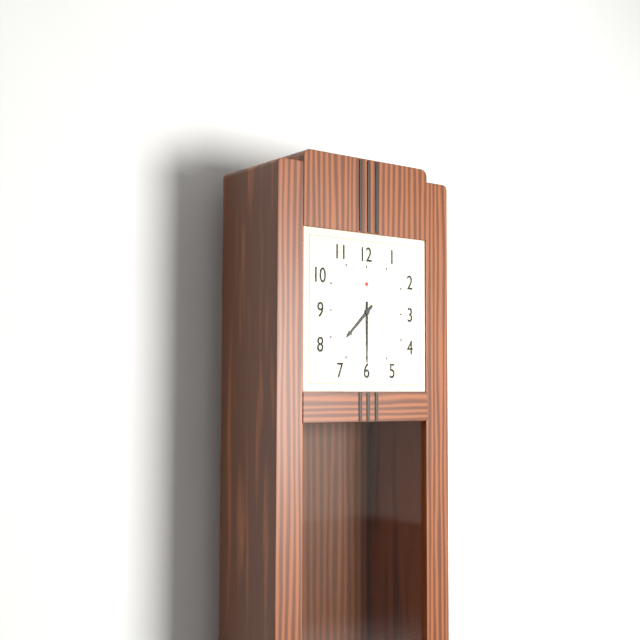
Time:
**7:30**
